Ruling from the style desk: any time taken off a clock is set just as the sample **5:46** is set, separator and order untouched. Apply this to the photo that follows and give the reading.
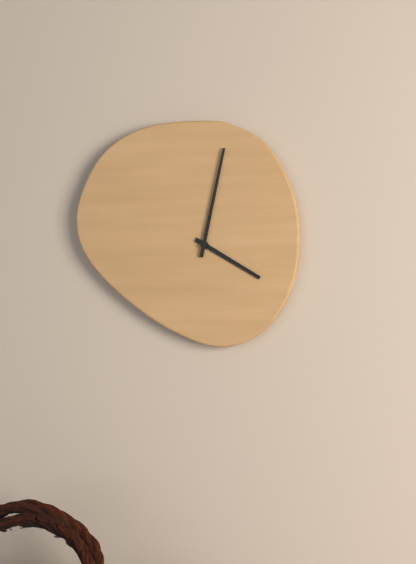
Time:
**4:02**
